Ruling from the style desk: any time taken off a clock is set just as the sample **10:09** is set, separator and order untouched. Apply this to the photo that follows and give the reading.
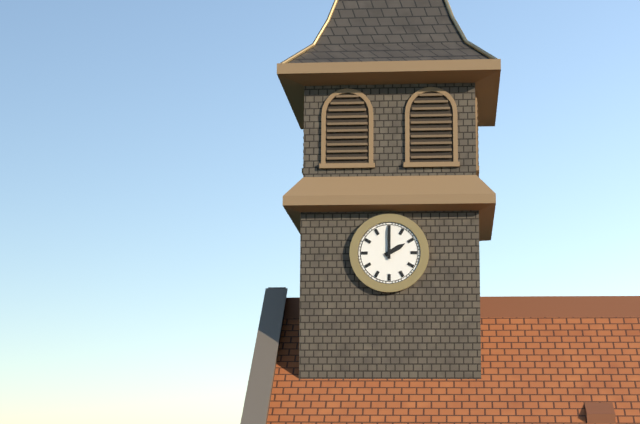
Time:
**2:00**
